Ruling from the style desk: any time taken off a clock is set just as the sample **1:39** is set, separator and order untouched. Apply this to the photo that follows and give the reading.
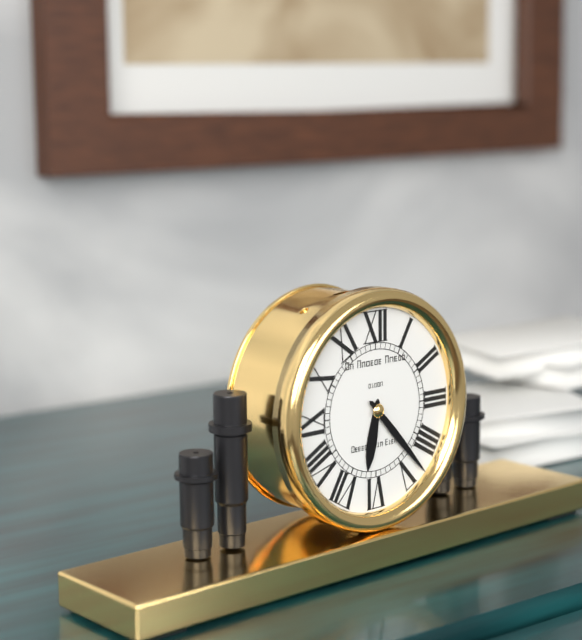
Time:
**6:23**
